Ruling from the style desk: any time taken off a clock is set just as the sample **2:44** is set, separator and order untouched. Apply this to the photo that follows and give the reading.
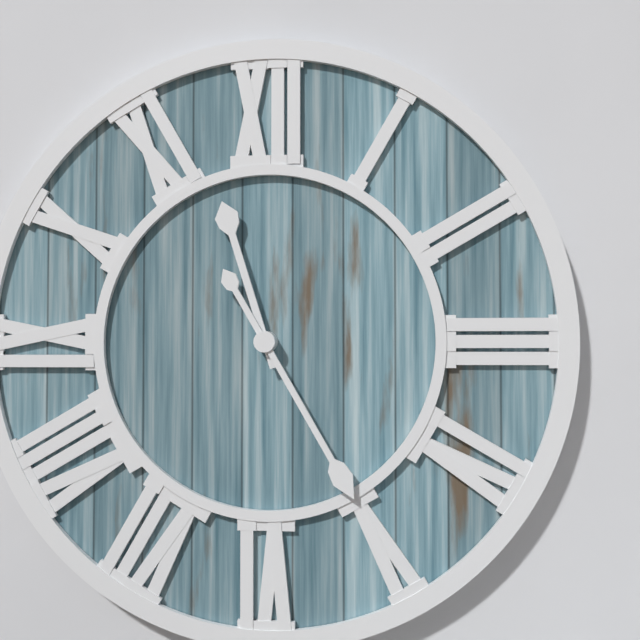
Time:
**11:25**
